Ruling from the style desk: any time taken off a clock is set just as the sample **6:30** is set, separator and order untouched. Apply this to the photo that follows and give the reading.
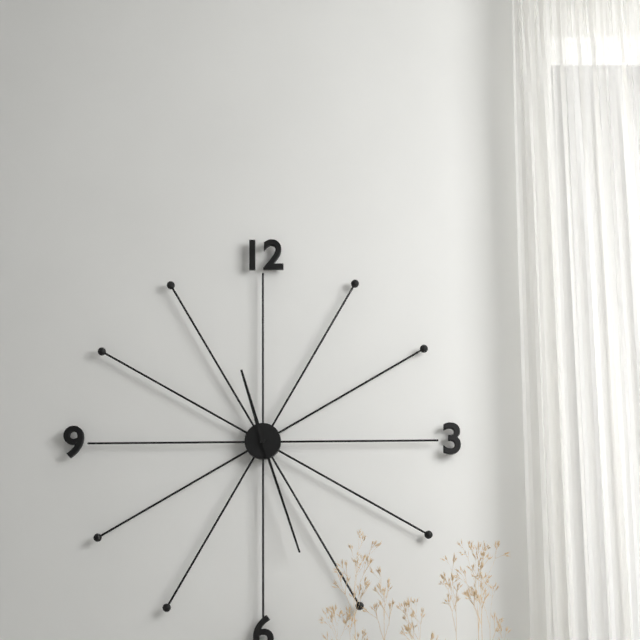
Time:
**11:27**
